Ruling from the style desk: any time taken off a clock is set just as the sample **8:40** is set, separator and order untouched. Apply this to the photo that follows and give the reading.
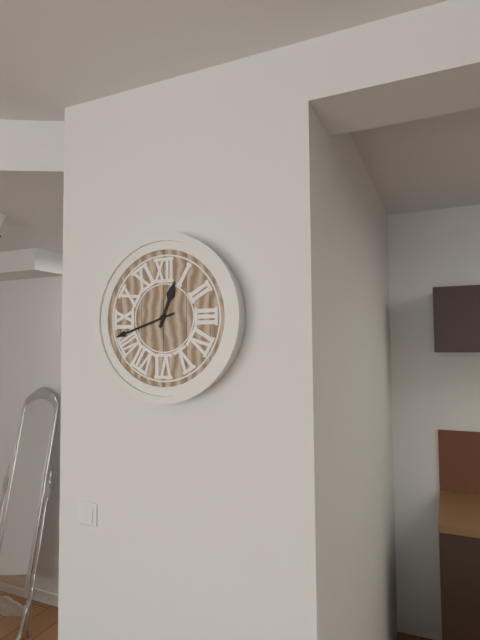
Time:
**12:42**
